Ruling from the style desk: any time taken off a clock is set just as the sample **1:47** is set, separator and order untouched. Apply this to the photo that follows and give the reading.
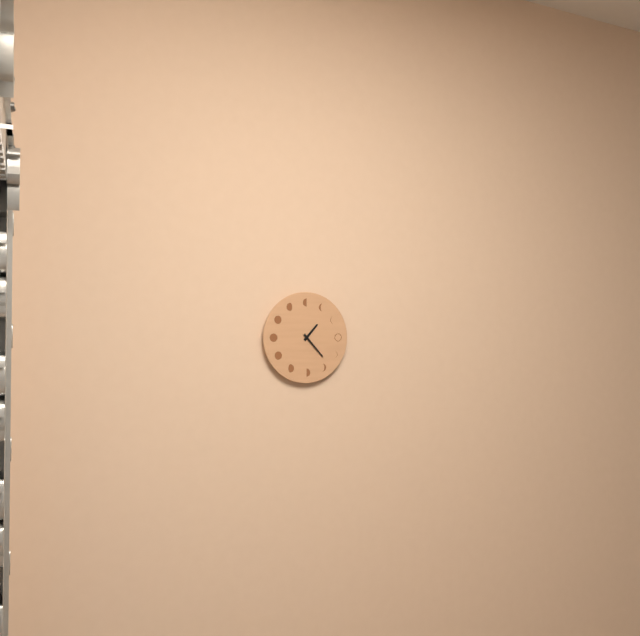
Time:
**1:23**
